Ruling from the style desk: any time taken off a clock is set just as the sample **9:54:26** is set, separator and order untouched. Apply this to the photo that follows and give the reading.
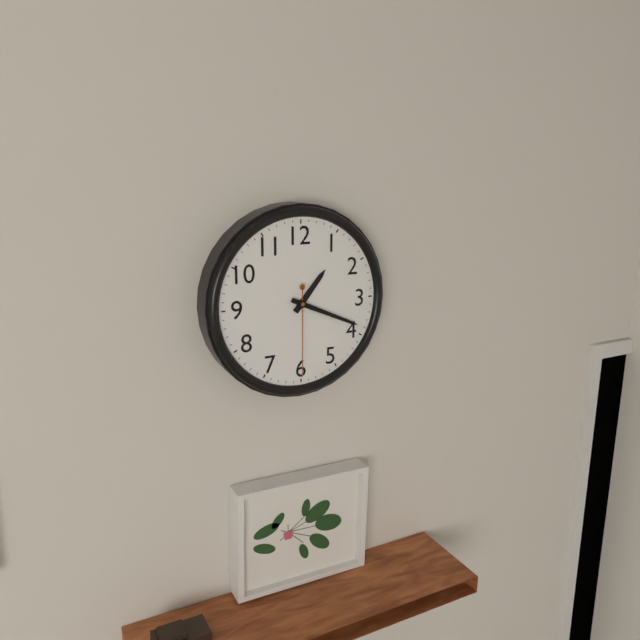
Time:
**1:19:30**
